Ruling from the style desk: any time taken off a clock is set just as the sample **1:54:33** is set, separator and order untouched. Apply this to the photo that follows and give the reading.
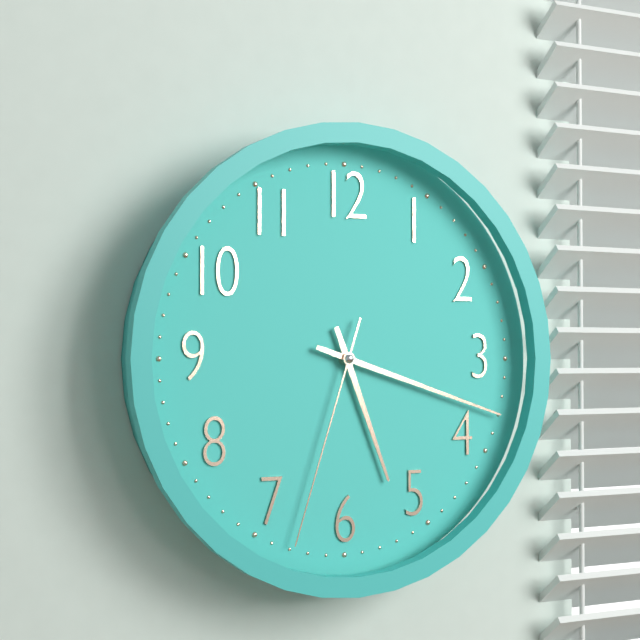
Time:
**5:18:33**
